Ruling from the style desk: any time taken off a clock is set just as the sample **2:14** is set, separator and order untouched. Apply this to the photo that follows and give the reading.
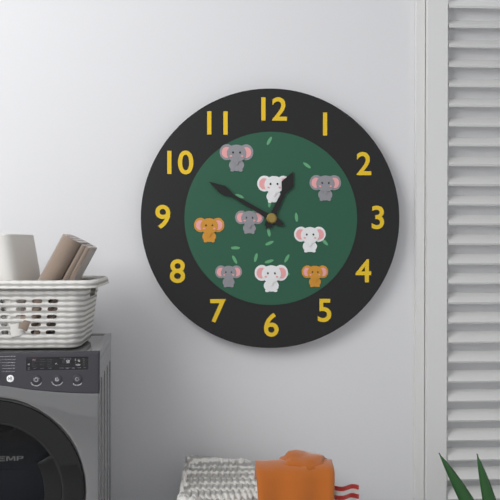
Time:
**12:50**
